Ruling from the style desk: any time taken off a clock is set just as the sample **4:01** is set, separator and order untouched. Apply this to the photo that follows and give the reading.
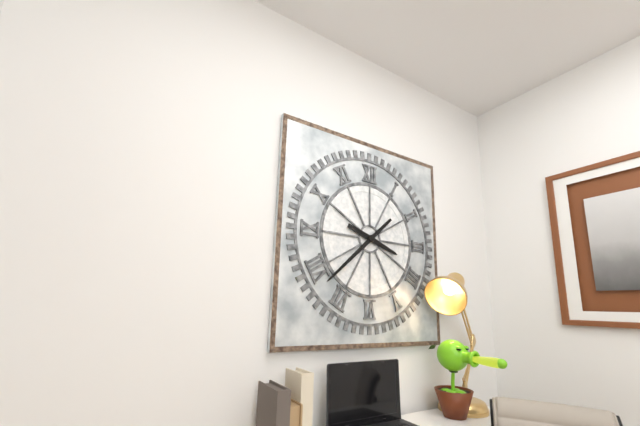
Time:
**3:38**
